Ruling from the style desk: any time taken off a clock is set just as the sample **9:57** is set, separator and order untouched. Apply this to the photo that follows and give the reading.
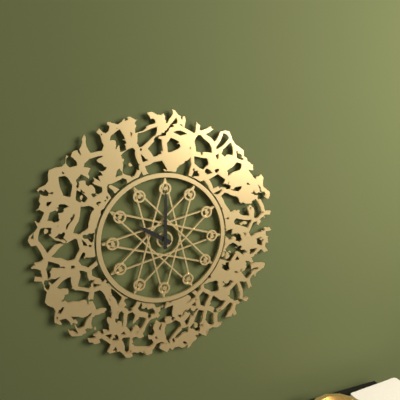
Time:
**10:00**
